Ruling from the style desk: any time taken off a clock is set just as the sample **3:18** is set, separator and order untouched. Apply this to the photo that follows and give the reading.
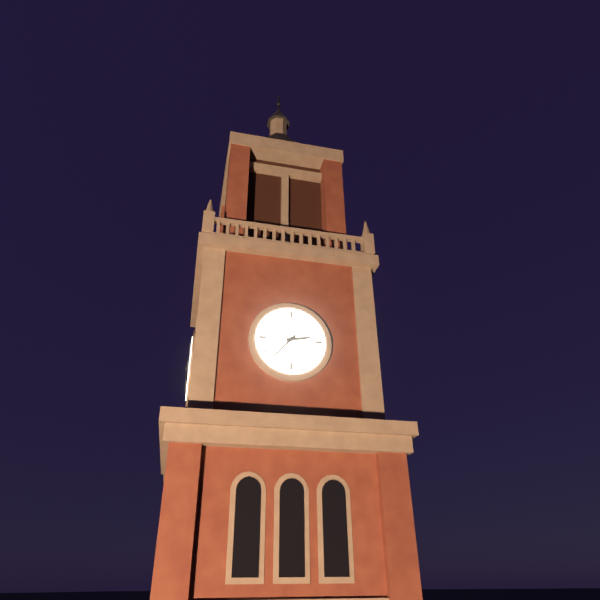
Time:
**2:37**
